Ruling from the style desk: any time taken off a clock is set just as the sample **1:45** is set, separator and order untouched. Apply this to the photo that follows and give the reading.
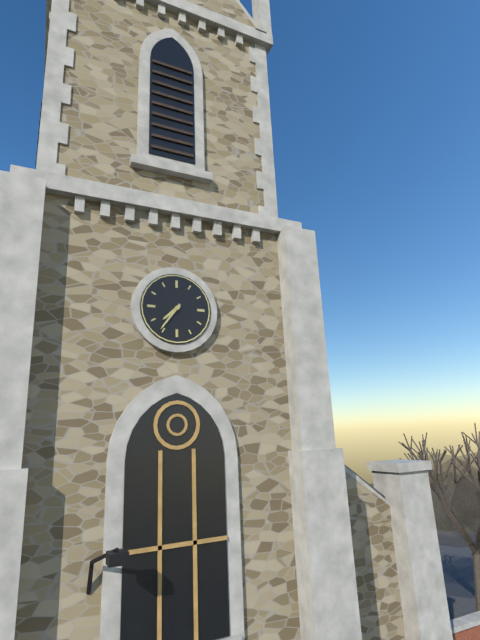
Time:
**7:36**
